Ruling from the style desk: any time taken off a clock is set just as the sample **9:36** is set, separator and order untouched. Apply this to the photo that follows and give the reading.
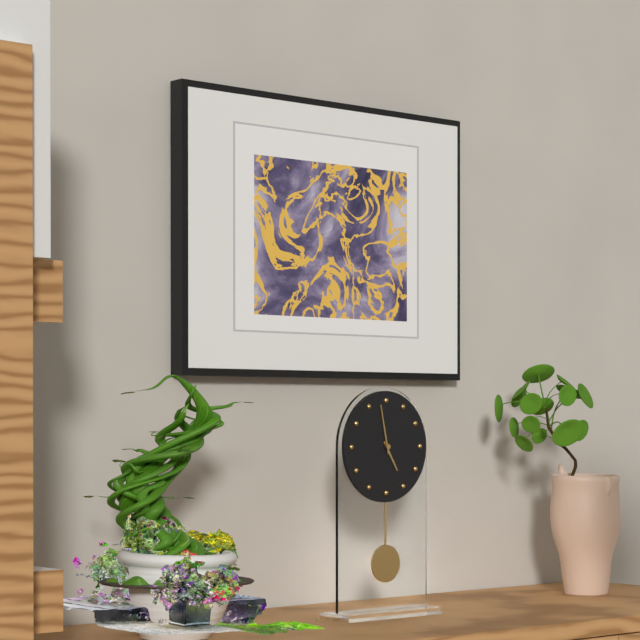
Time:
**4:58**
